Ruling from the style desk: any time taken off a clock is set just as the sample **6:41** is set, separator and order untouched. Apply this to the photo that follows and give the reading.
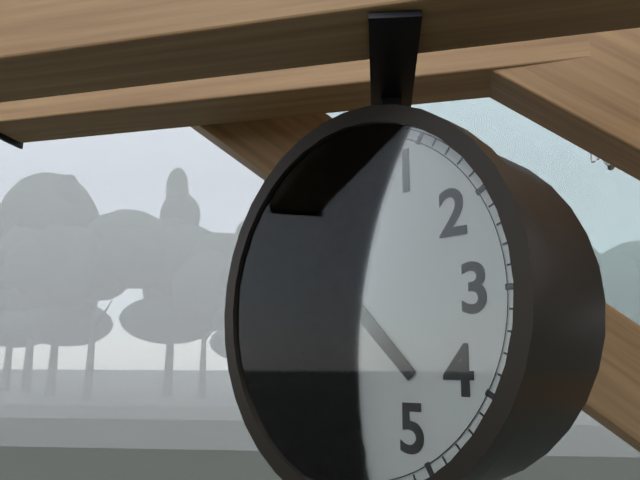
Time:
**4:30**
